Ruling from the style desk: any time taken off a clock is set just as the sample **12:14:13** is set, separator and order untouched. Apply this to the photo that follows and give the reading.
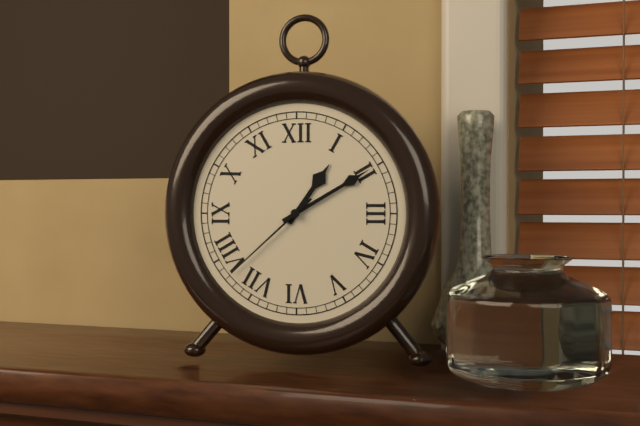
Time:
**1:10:38**
